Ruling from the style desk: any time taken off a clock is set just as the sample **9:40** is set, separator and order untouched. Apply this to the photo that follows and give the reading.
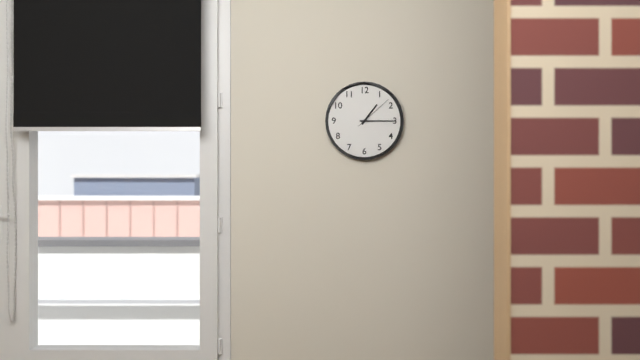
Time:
**1:15**
